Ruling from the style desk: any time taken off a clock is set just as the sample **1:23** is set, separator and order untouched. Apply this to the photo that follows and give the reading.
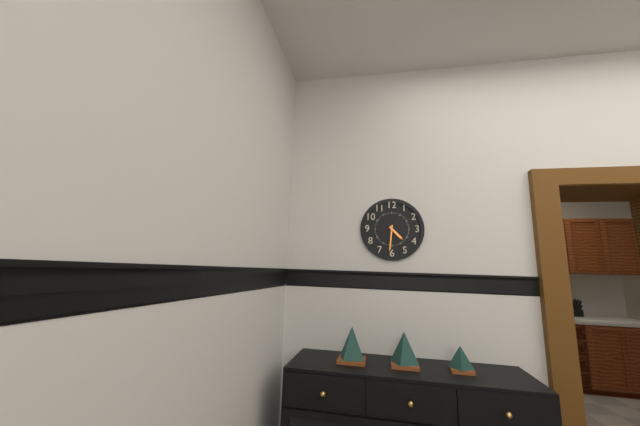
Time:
**4:31**
